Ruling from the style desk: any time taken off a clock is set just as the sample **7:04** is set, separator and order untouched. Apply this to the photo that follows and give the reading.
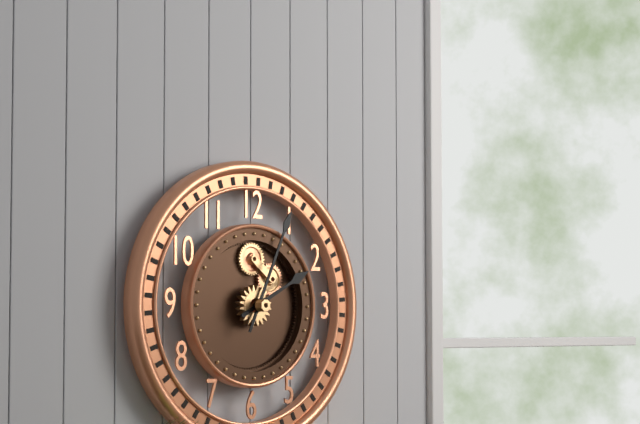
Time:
**2:04**
